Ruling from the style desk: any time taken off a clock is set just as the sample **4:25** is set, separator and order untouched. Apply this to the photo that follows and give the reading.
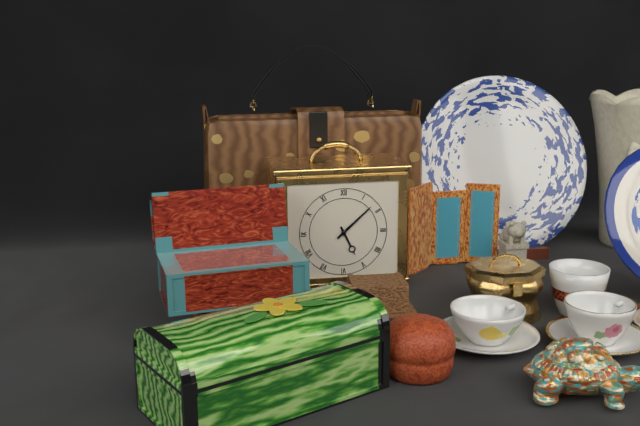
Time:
**5:08**
